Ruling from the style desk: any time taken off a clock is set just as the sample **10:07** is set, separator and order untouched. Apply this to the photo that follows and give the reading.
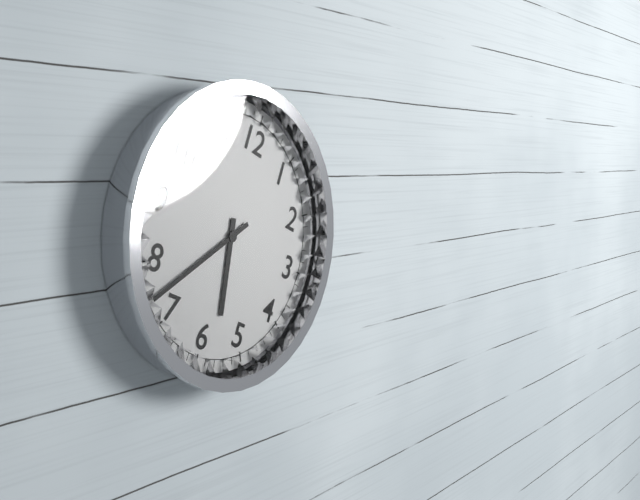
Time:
**5:37**
